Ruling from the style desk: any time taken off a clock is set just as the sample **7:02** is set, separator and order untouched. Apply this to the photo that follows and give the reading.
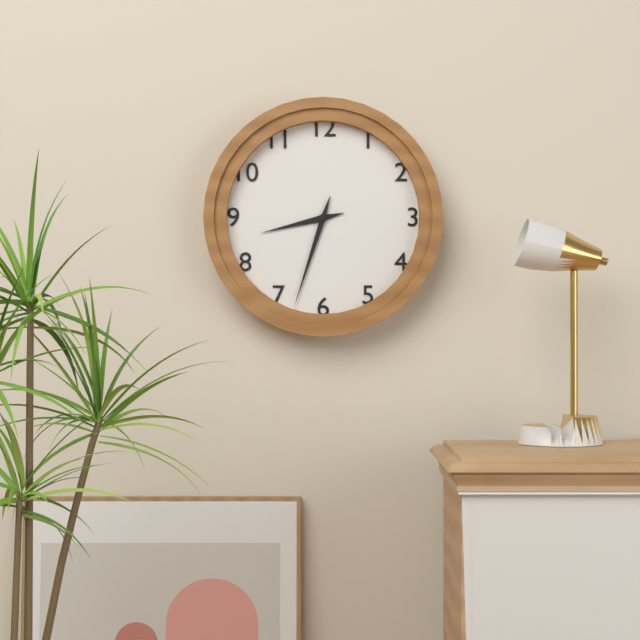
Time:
**8:33**
